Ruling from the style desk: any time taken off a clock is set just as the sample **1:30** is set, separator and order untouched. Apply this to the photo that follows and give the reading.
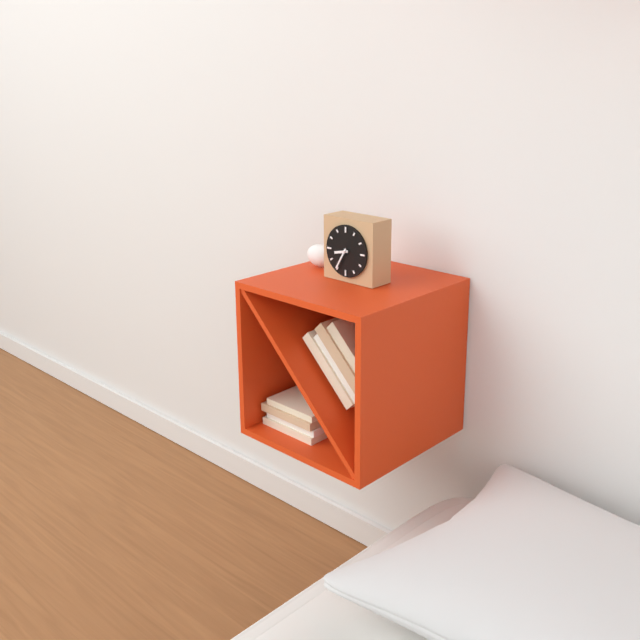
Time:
**8:35**
